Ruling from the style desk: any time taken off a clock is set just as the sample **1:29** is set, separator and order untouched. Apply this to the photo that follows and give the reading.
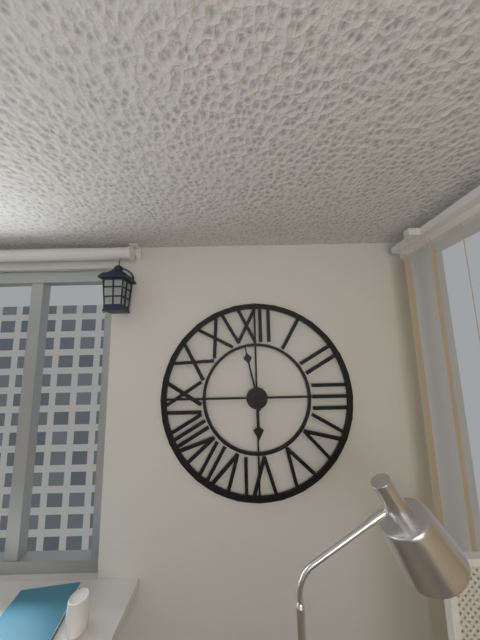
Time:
**5:58**
